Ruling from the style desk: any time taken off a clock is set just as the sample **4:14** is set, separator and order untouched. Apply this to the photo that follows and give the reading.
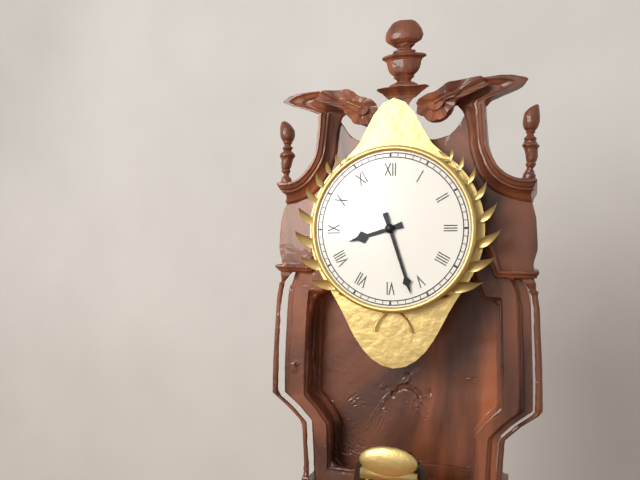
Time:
**8:27**
